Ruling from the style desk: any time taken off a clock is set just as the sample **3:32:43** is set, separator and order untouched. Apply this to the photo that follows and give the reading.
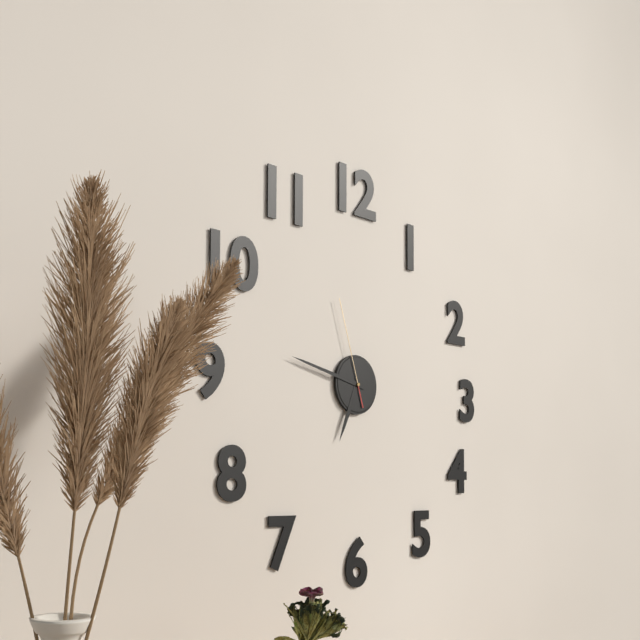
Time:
**6:47:57**
